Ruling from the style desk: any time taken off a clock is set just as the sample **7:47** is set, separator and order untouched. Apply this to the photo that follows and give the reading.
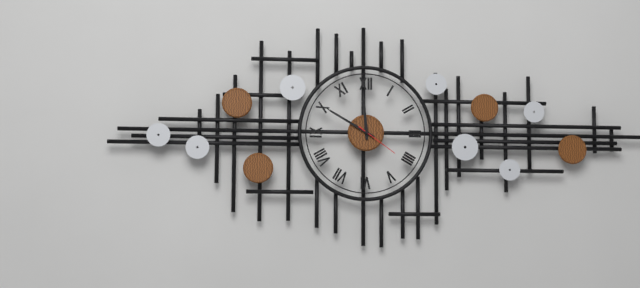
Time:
**11:50**
